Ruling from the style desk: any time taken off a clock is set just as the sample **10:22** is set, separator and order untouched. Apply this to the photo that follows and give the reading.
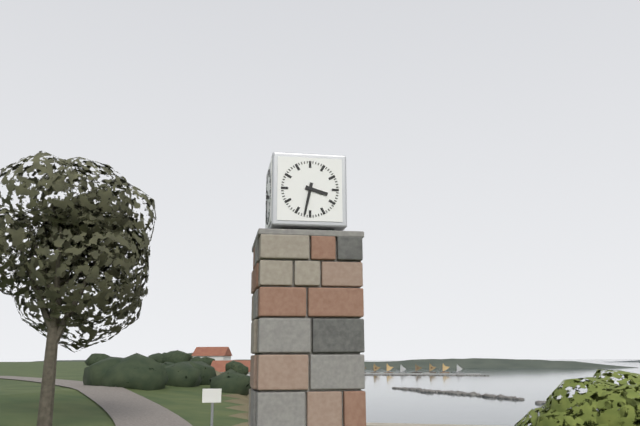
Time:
**3:32**
